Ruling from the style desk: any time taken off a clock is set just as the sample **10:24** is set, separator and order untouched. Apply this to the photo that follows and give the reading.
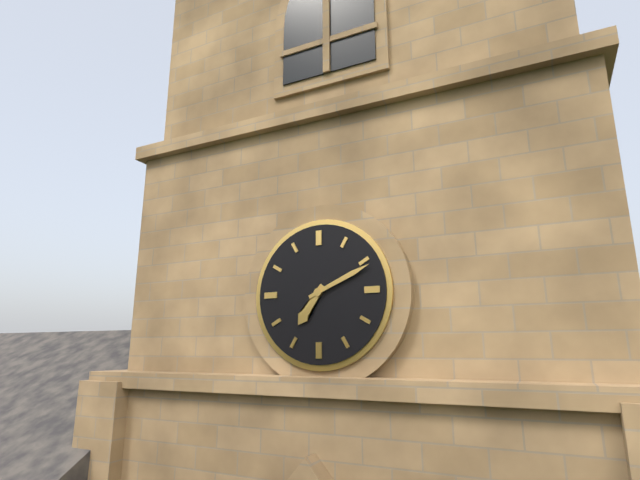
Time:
**7:11**
